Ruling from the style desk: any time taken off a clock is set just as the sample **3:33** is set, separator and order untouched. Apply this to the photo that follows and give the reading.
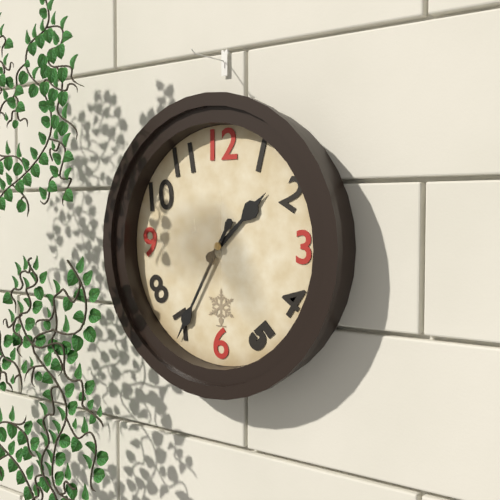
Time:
**1:35**
